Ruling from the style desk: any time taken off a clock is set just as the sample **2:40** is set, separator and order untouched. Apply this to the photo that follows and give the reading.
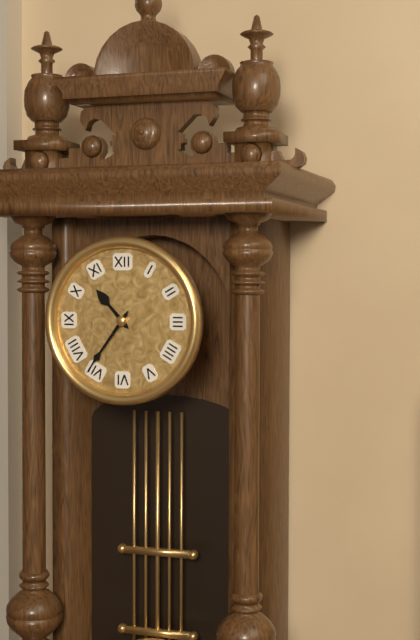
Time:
**10:36**
